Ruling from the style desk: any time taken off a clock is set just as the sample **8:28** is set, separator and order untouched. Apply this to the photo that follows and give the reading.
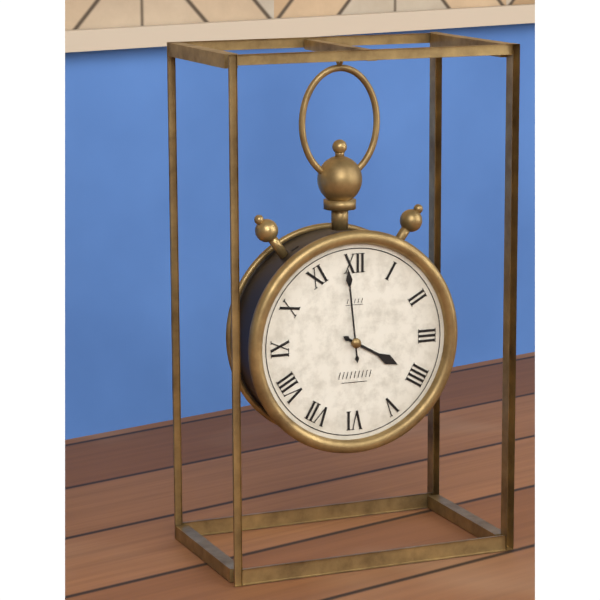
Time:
**3:59**
